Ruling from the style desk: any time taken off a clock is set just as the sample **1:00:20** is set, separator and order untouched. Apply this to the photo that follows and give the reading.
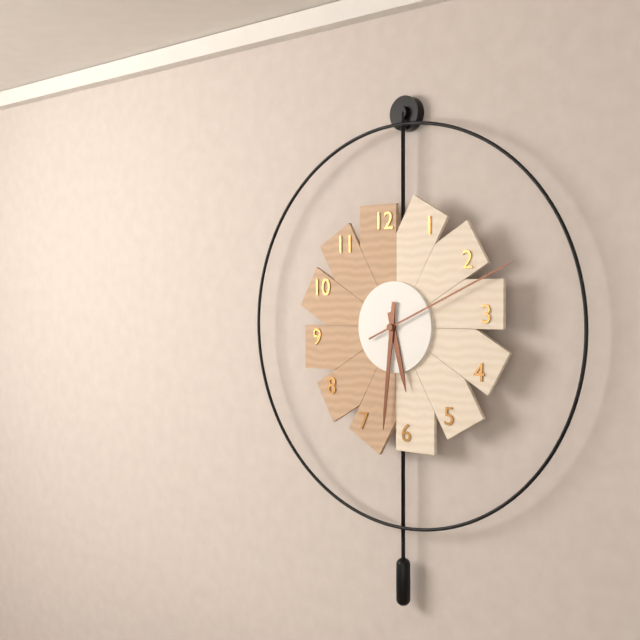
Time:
**5:31:11**
